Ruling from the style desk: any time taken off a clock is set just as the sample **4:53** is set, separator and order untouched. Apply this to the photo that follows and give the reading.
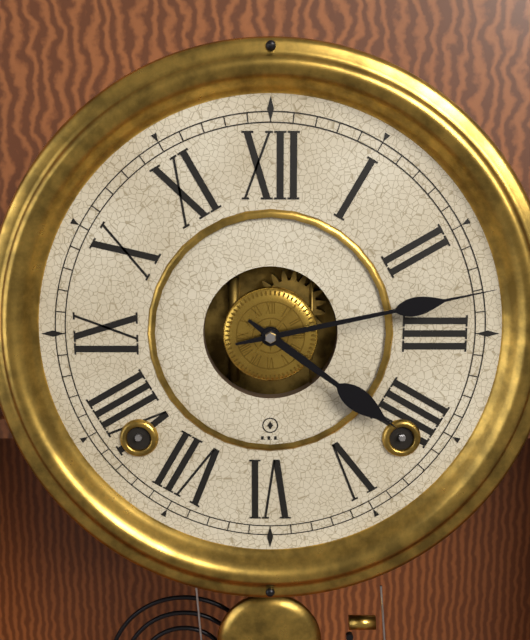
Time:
**4:13**
